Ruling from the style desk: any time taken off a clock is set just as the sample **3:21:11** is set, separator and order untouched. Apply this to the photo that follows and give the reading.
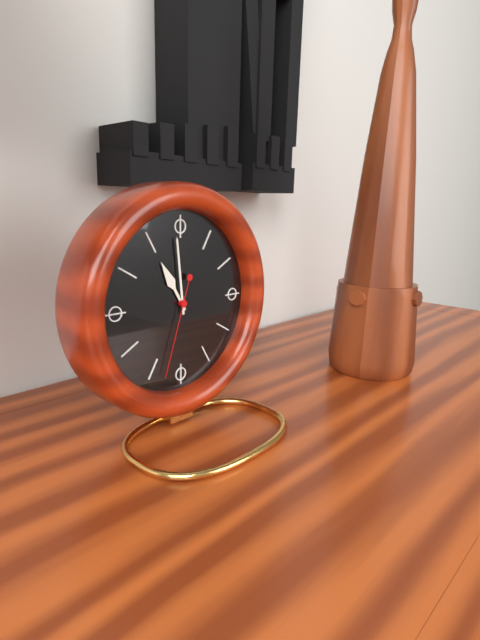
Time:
**10:59:33**
